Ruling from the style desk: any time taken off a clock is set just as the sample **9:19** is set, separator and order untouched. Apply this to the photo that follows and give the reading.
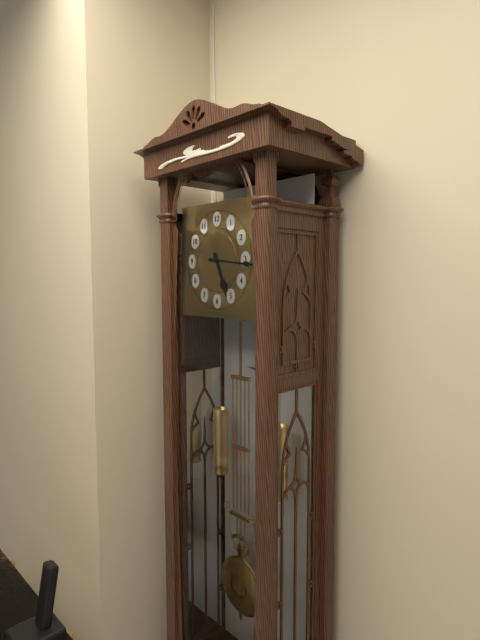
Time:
**5:16**
